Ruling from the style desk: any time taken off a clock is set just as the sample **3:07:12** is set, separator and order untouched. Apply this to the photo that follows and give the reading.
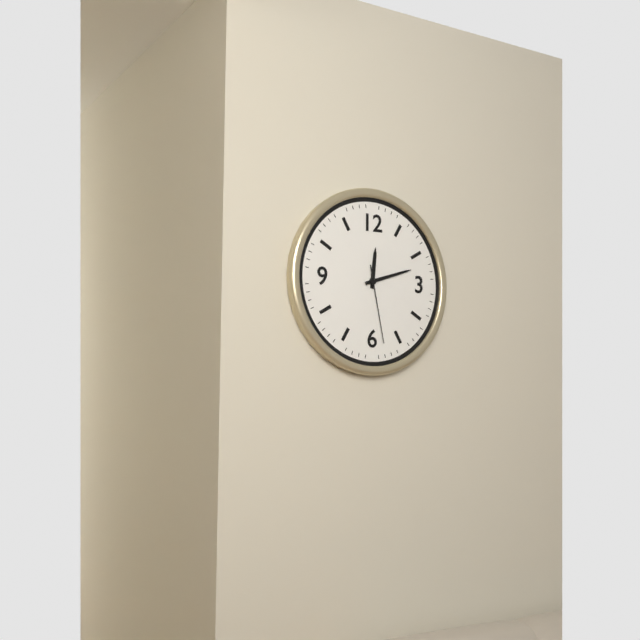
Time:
**12:12:28**
